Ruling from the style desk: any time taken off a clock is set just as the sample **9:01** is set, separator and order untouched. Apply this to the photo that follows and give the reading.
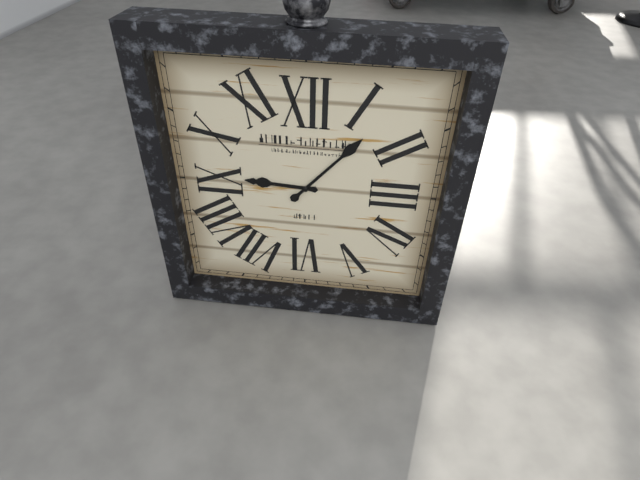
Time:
**9:07**
